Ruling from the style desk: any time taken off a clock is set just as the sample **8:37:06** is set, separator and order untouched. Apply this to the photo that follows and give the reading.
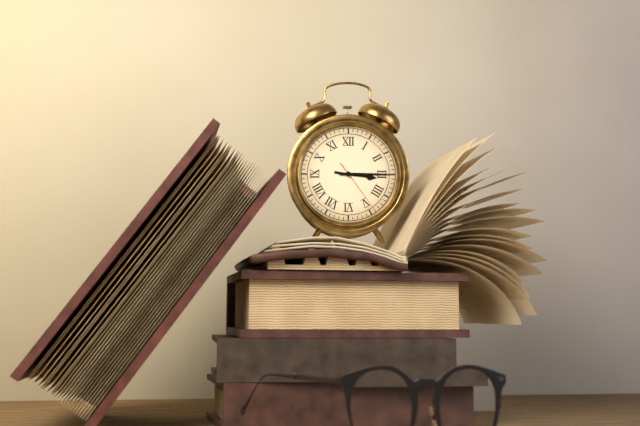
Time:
**3:15:24**
